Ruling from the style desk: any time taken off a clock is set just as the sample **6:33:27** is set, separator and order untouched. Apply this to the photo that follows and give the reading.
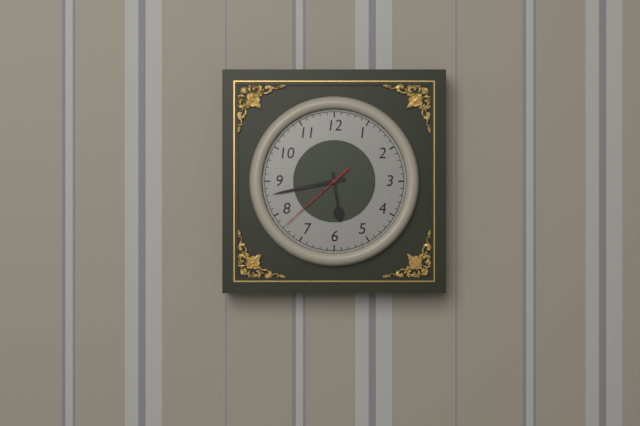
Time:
**5:43:38**
